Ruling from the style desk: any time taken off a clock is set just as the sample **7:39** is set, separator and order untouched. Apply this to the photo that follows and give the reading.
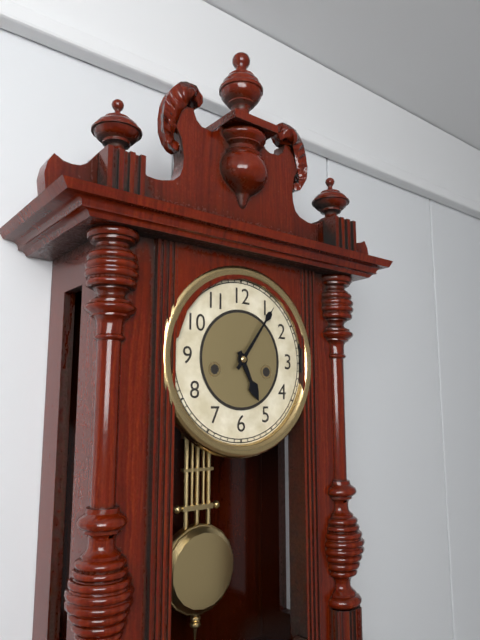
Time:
**5:06**
